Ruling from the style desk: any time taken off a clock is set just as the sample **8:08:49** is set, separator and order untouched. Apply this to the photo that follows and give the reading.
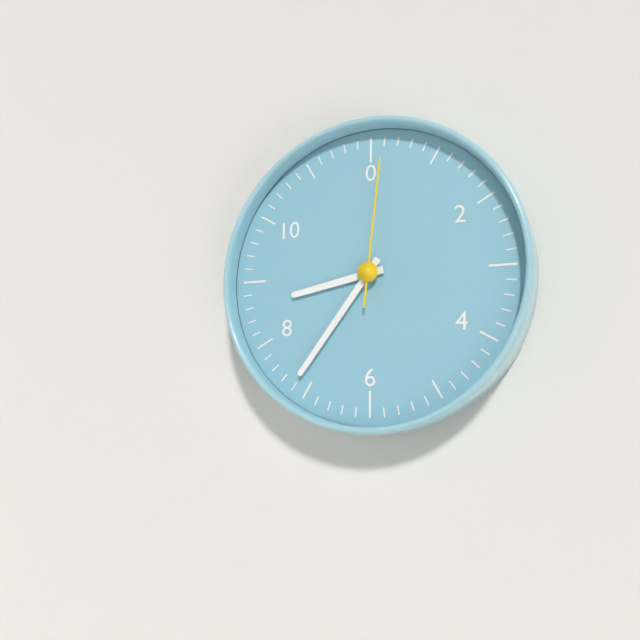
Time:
**8:36:01**
